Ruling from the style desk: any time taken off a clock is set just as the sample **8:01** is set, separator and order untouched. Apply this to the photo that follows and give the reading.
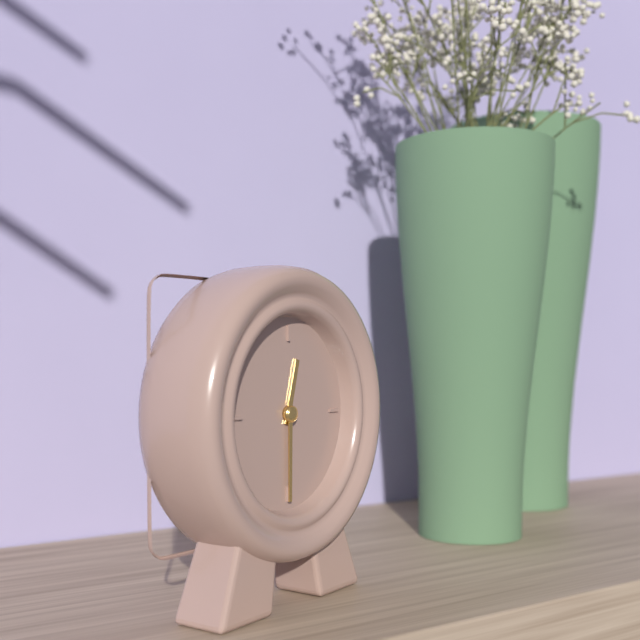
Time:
**12:30**
